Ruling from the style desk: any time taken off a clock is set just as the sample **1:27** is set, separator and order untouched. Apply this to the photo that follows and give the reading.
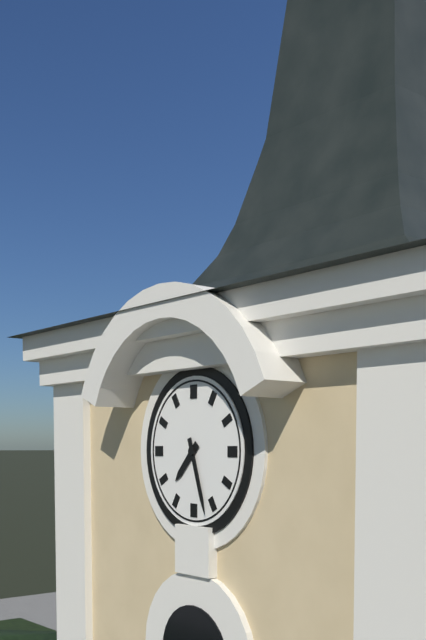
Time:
**7:27**
